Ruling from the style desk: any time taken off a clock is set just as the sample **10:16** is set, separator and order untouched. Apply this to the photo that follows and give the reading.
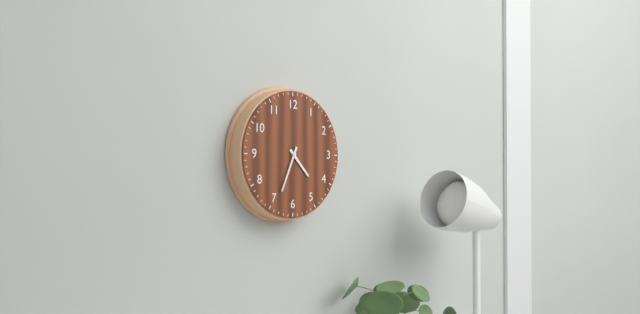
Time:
**4:34**
